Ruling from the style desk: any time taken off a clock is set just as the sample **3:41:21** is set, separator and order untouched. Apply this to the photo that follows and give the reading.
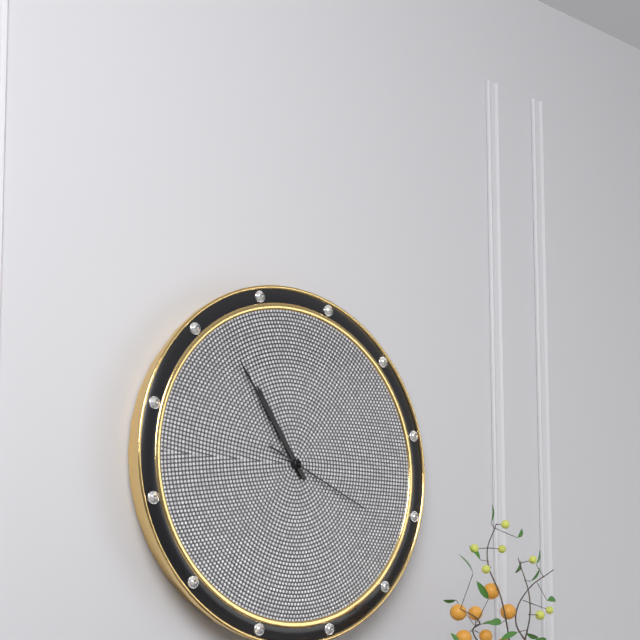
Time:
**10:54:19**
